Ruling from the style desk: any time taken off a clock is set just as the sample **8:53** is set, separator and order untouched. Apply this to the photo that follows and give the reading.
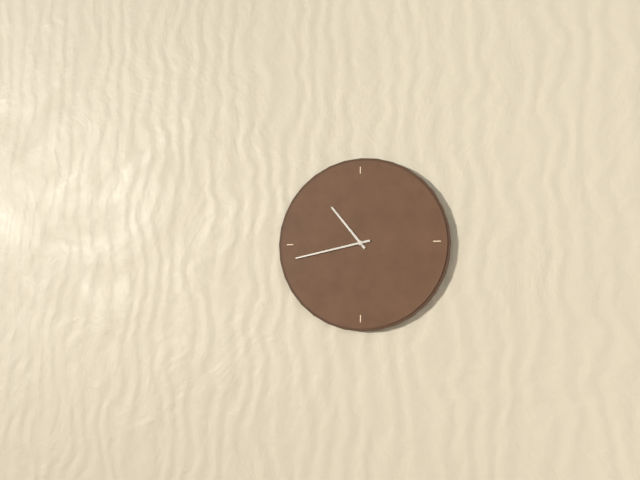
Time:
**10:43**
